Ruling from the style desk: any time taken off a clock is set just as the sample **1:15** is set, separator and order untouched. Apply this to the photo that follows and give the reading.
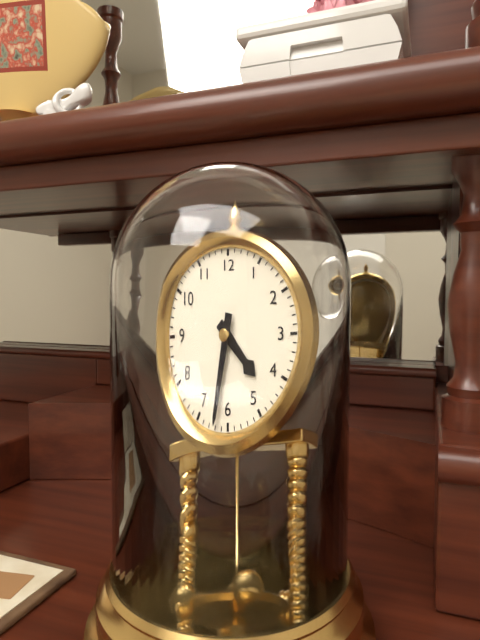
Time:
**4:32**
